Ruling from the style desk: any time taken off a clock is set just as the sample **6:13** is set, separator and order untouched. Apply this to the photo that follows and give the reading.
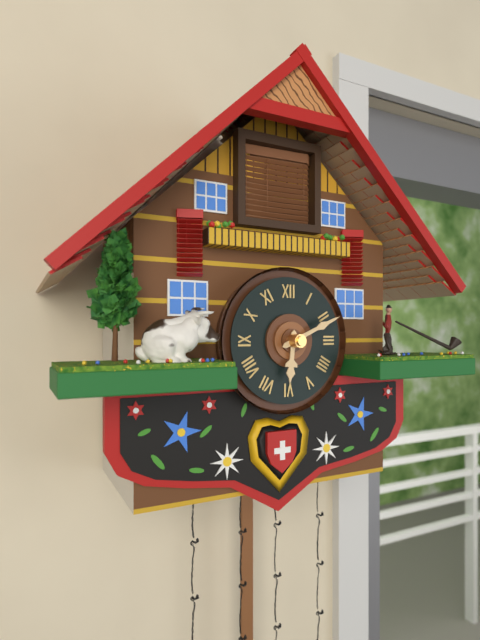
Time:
**6:11**
